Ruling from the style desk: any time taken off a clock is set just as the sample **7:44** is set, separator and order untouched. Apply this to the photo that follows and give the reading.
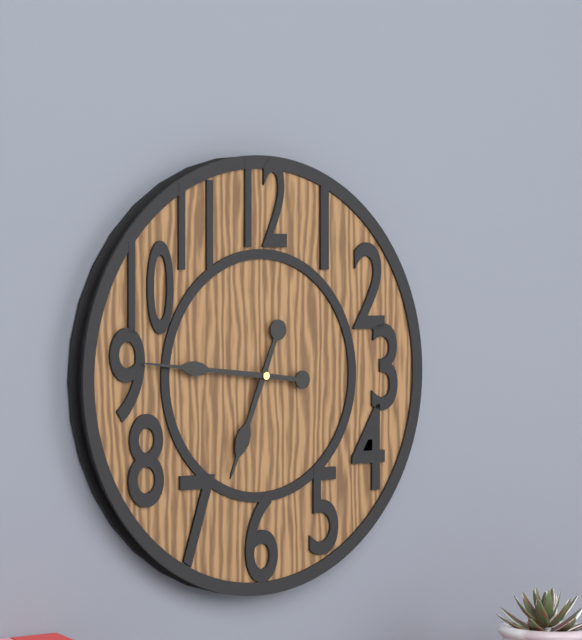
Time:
**6:46**
